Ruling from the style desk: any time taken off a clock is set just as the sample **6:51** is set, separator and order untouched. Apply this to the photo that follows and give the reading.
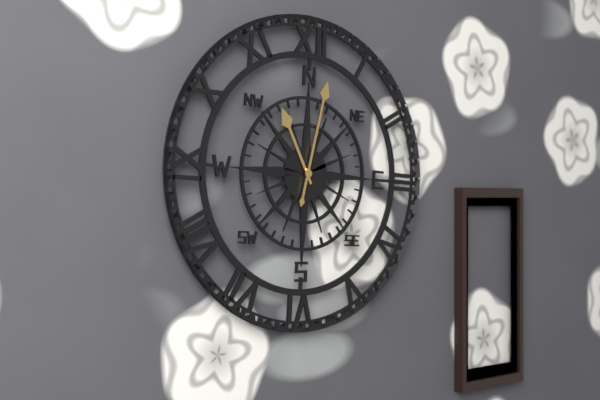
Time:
**11:02**
